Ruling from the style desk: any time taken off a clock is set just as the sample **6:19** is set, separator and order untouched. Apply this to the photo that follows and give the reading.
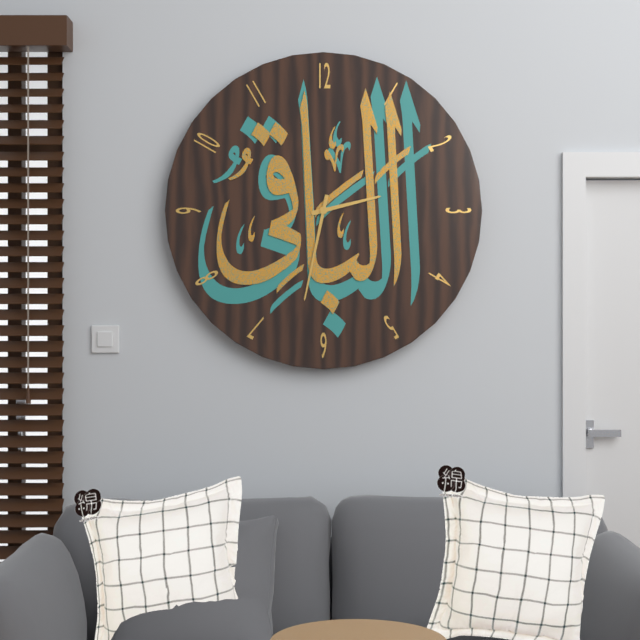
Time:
**2:32**
